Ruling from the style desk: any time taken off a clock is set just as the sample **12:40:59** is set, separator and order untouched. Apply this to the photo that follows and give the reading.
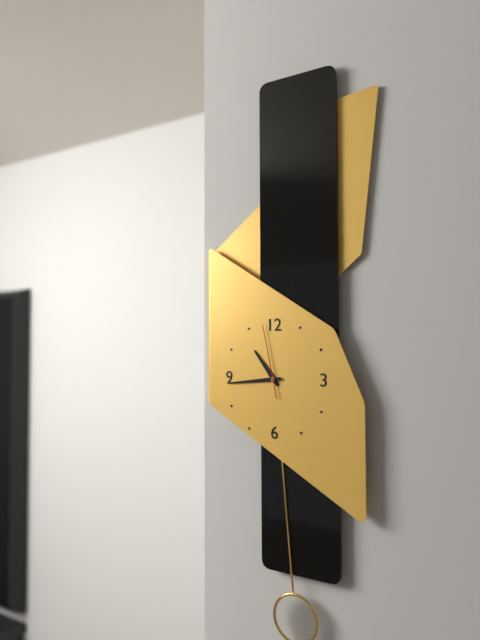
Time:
**10:44:58**
